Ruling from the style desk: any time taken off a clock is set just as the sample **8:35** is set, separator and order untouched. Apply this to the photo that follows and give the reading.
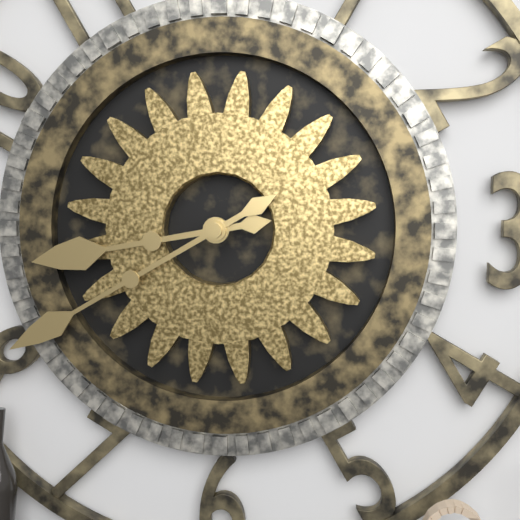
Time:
**8:40**
